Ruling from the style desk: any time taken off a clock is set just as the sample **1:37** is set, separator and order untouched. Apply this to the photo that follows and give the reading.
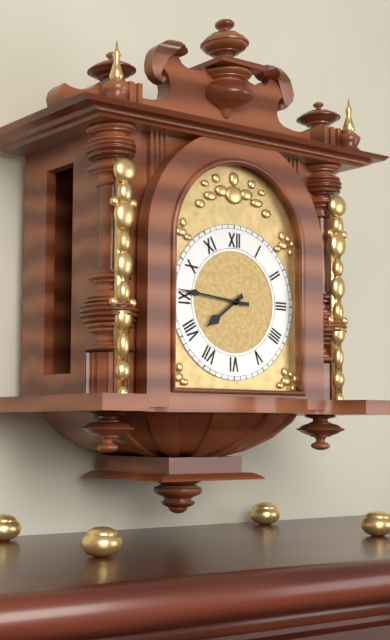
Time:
**7:46**
